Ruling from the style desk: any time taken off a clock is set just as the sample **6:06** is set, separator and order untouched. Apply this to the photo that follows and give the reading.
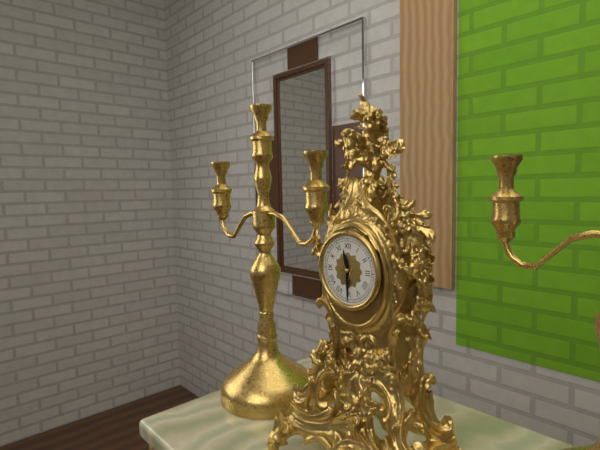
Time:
**11:30**
